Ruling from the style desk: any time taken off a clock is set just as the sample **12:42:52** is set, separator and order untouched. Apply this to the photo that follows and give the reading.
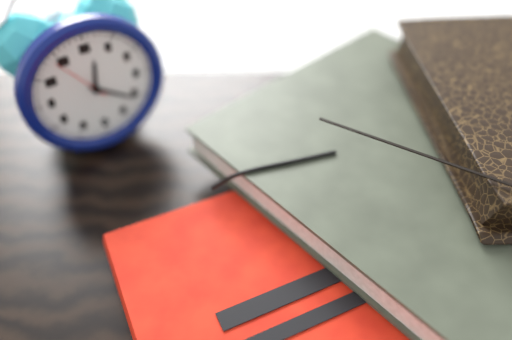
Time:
**12:21:54**
